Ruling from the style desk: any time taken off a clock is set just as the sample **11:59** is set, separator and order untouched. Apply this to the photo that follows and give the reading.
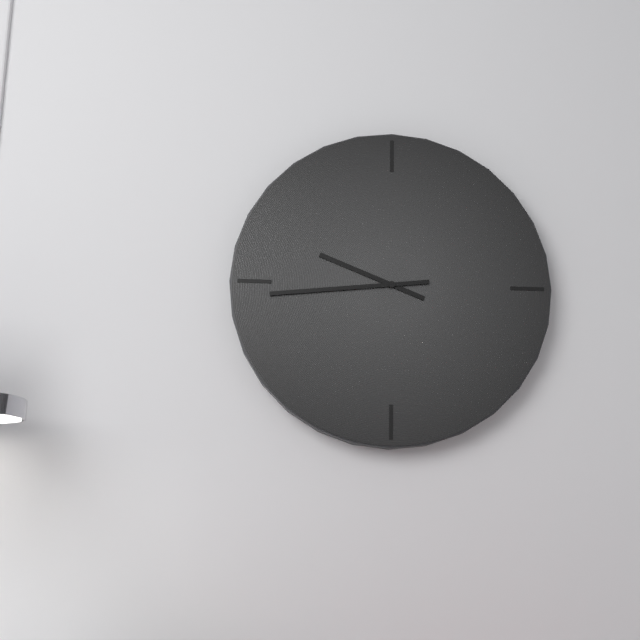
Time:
**9:44**
